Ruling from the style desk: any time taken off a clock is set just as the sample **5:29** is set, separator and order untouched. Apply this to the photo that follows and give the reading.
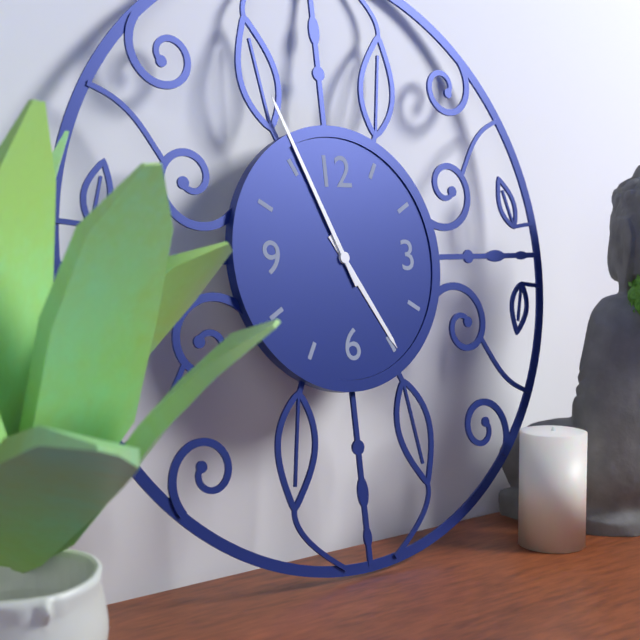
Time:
**4:56**
